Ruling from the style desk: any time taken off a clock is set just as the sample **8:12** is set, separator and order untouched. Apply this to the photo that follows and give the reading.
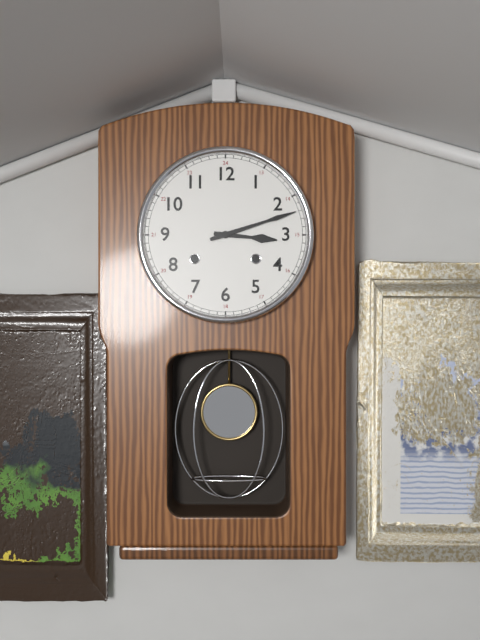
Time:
**3:12**
